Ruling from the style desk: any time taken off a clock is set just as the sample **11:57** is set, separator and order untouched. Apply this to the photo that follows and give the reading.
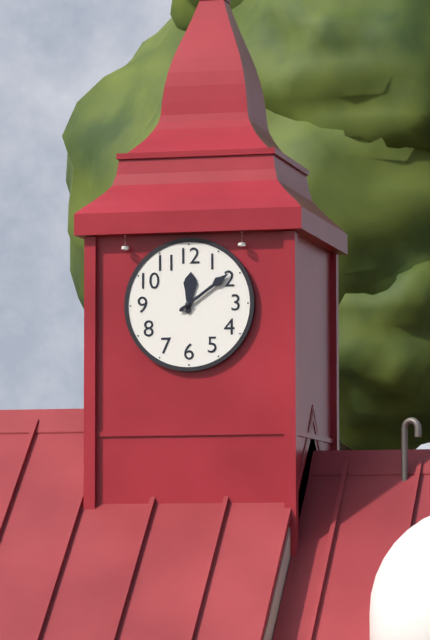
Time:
**12:09**
